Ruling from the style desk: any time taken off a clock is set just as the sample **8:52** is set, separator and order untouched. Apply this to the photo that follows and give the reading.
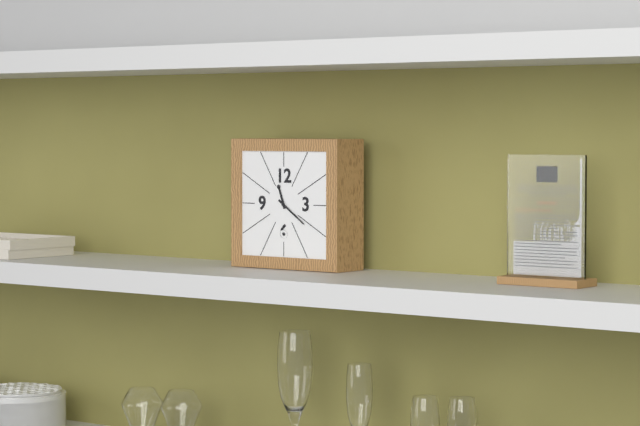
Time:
**11:21**
